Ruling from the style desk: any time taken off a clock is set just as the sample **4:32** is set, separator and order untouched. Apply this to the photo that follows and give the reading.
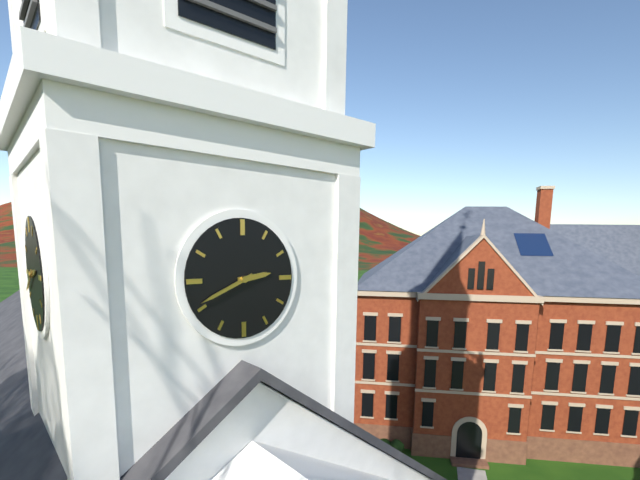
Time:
**2:41**
